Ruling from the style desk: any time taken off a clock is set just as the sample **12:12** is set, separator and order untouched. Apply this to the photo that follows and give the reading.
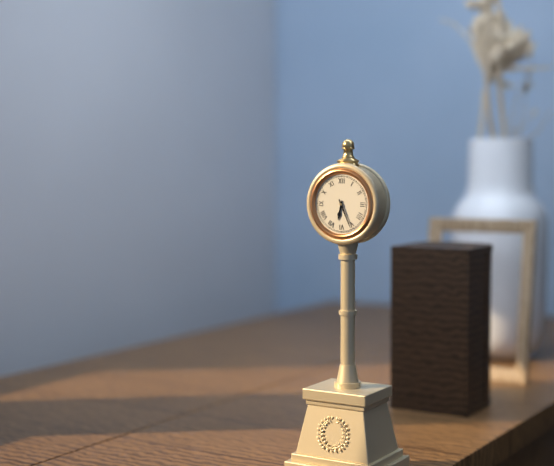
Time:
**6:26**
